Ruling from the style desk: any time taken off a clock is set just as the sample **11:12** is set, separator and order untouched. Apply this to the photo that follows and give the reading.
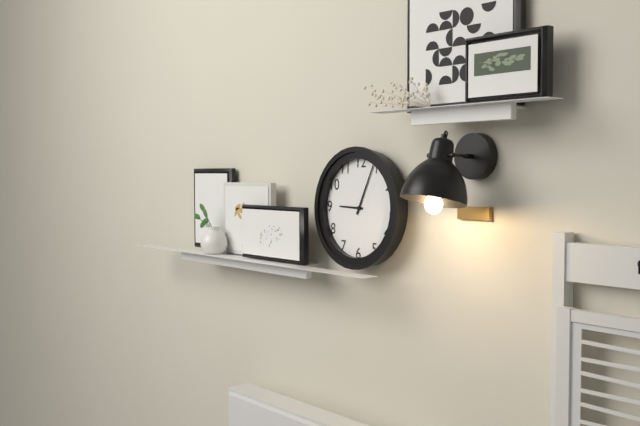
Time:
**9:04**
